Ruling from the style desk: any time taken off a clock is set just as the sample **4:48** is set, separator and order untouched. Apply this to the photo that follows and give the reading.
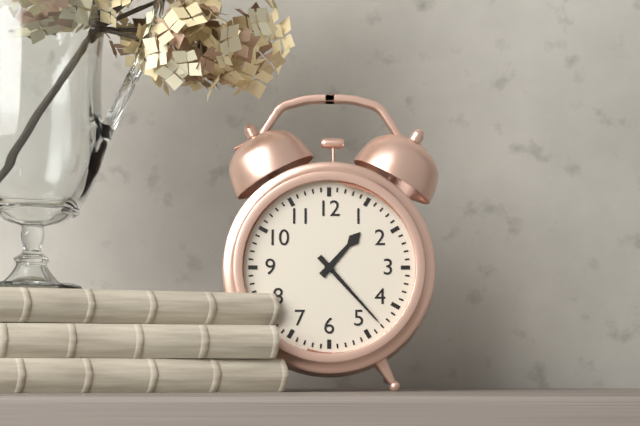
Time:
**1:23**
